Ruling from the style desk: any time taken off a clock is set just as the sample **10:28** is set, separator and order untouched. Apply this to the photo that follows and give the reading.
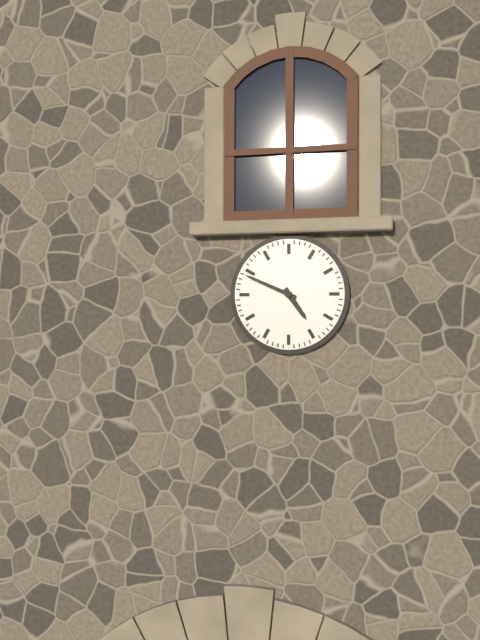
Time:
**4:49**
